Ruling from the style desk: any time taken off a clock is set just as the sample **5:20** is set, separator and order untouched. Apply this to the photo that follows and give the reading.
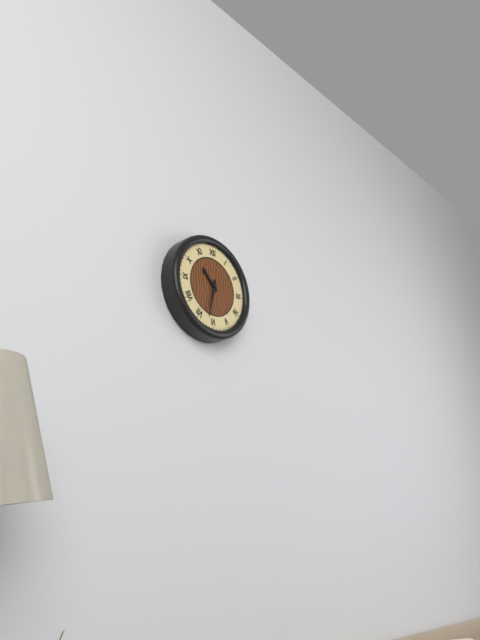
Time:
**10:32**
